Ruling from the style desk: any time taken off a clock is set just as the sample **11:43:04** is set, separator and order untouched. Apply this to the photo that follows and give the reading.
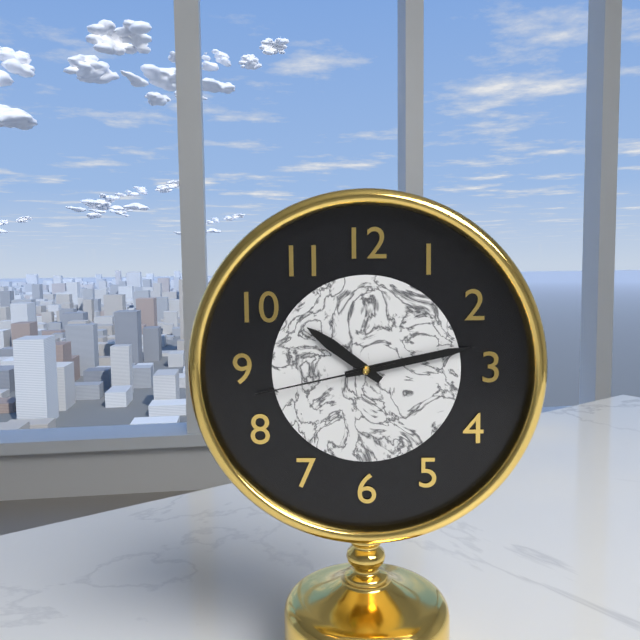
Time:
**10:13:43**
